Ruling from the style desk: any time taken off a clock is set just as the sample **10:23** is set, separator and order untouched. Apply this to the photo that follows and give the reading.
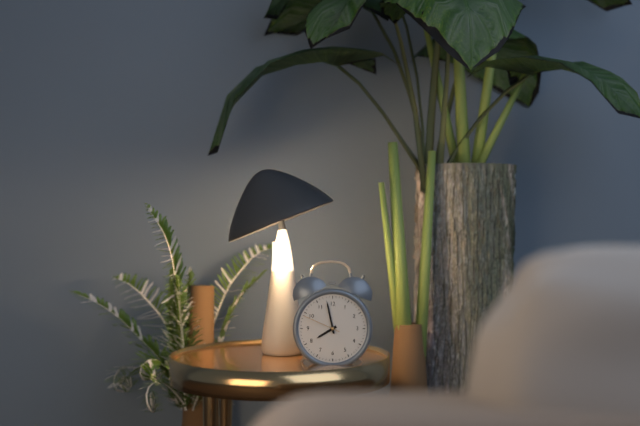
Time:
**7:58**
